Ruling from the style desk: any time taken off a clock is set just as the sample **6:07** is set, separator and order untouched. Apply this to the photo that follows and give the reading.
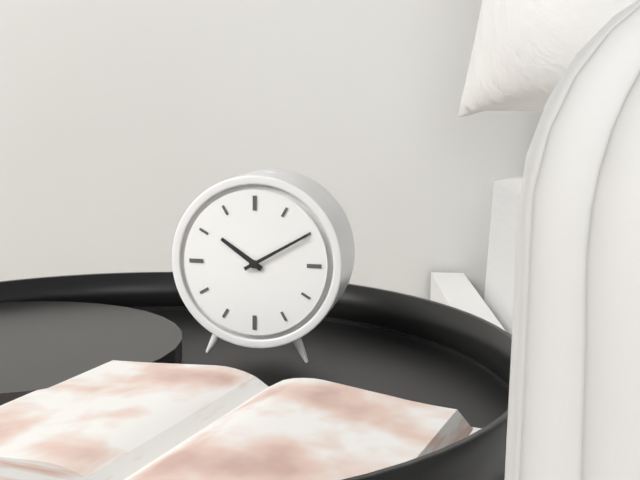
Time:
**10:10**
